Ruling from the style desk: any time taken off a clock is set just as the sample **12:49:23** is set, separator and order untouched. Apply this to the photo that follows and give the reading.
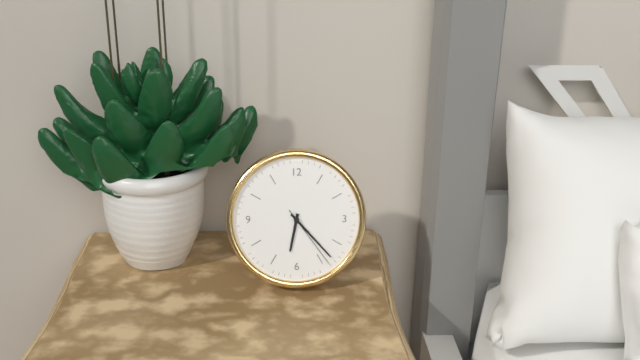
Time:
**6:23:24**
